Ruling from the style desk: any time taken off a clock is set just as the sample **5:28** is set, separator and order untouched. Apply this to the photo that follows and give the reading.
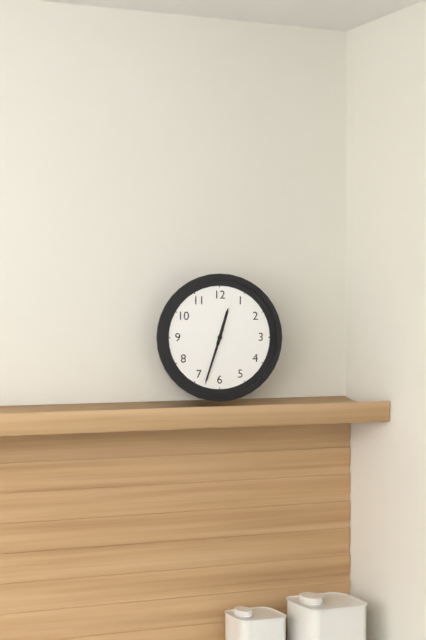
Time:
**12:33**
